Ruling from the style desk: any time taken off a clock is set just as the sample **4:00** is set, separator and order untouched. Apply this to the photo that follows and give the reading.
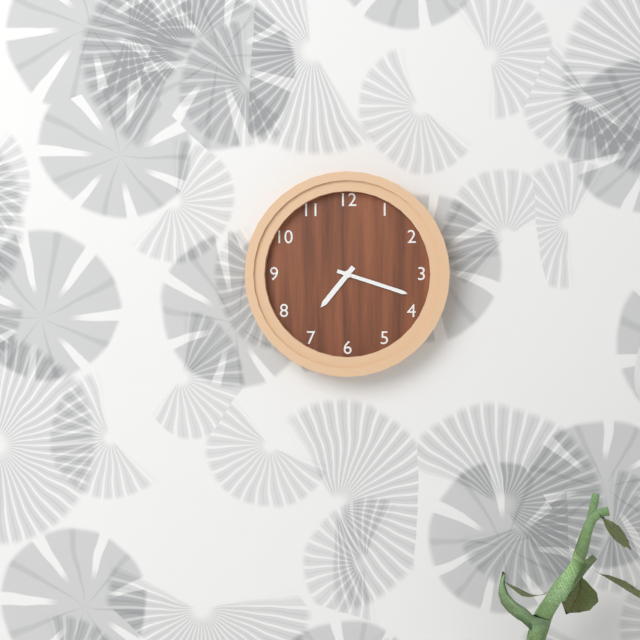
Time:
**7:18**
